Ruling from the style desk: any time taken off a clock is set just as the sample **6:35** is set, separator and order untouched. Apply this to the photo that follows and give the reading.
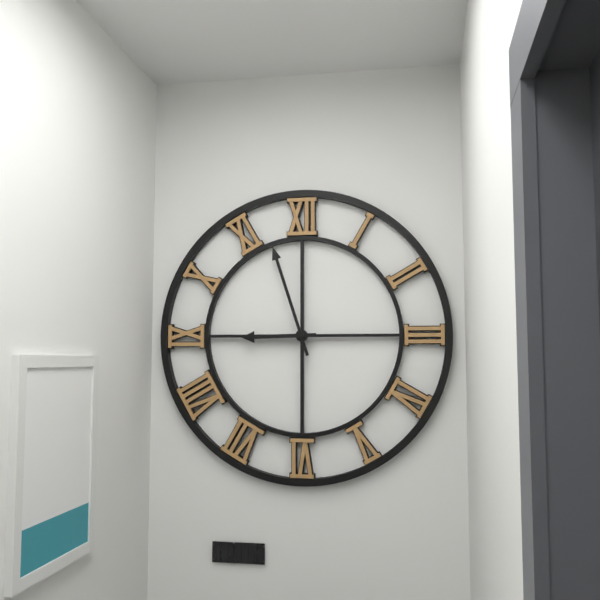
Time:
**8:57**
